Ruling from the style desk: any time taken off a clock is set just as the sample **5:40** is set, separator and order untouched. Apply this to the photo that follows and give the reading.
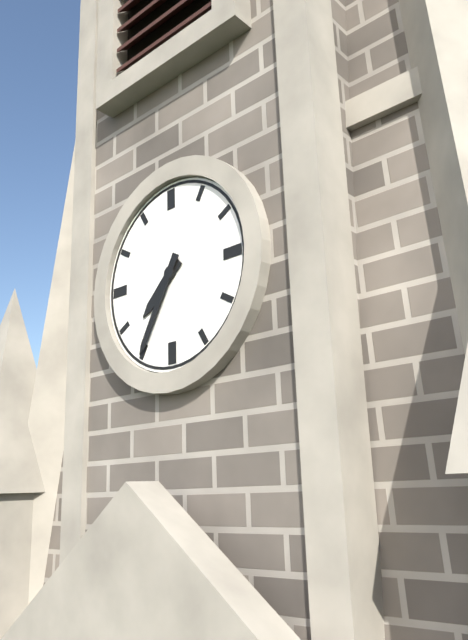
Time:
**7:35**
